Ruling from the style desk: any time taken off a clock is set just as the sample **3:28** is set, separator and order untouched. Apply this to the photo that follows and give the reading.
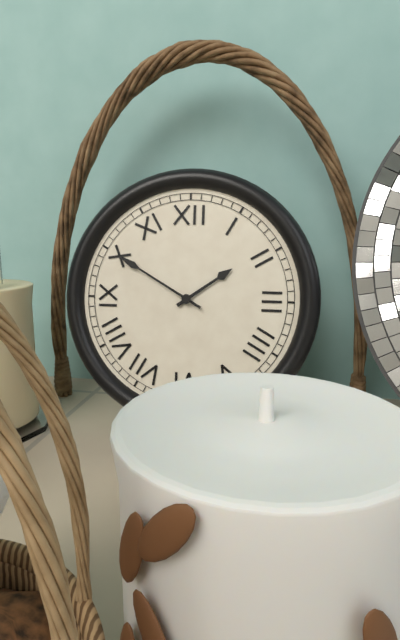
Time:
**1:50**
